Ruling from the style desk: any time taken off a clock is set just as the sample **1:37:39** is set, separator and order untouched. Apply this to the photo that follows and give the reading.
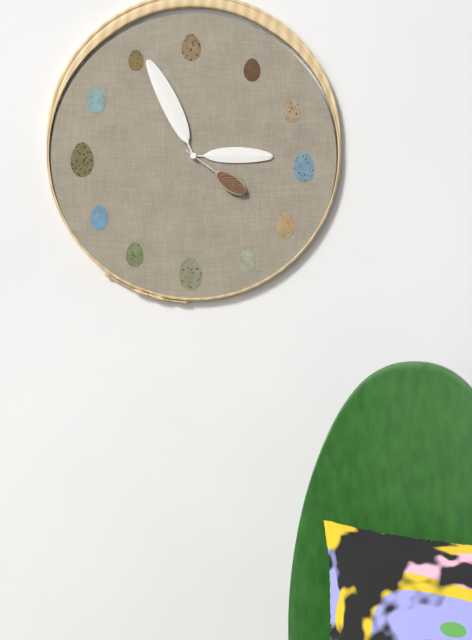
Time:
**2:56:21**
